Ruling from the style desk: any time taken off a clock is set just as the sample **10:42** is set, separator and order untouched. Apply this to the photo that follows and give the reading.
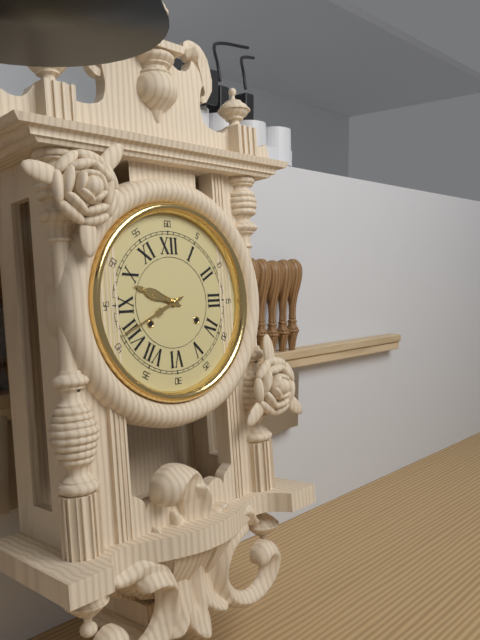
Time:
**9:41**
